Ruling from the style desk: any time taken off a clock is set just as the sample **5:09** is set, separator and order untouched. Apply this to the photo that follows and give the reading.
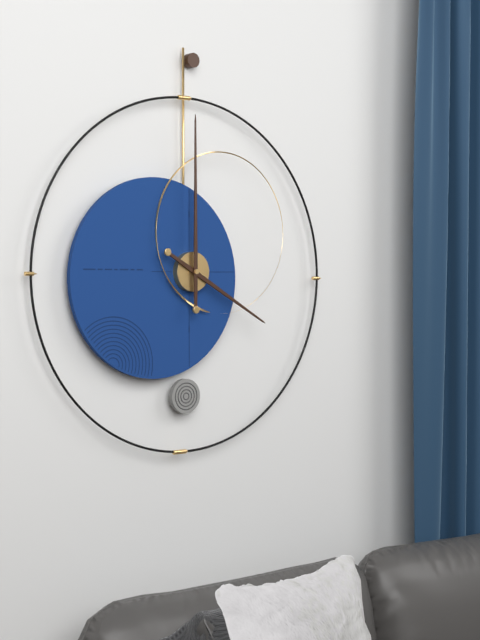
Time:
**4:00**
